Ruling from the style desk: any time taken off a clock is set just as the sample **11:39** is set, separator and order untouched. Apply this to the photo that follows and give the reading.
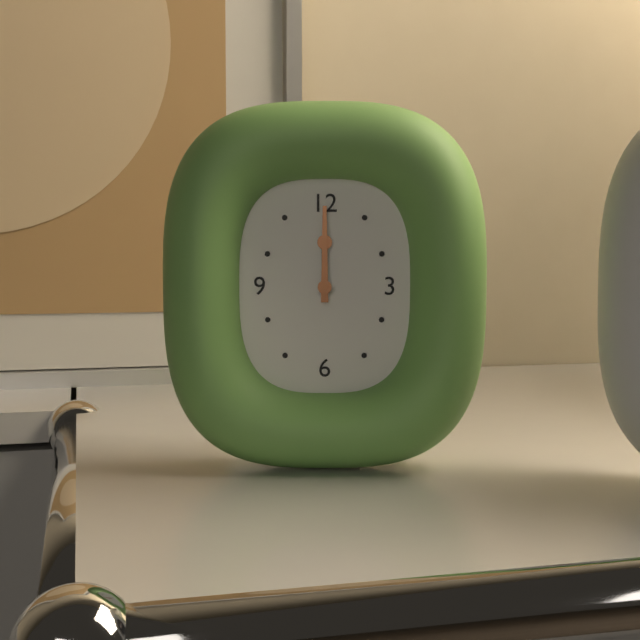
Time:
**12:00**
